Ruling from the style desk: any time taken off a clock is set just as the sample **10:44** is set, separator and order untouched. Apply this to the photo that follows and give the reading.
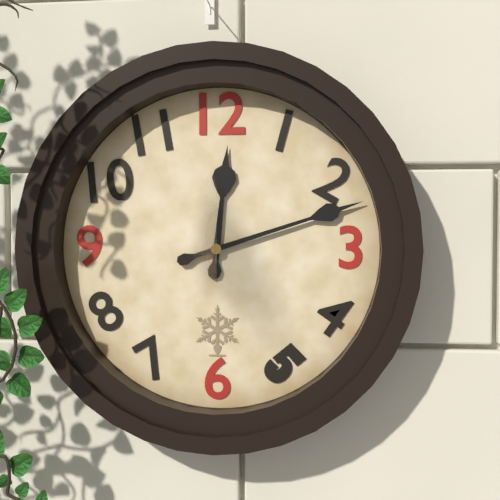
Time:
**12:12**
